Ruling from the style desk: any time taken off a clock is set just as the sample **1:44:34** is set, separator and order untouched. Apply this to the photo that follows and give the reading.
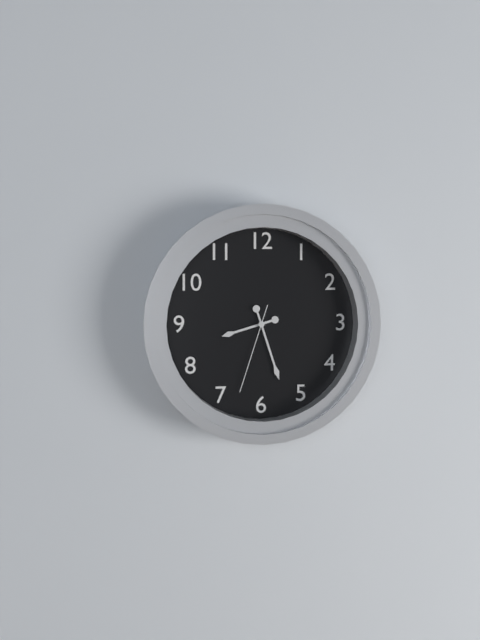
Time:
**8:27:33**
